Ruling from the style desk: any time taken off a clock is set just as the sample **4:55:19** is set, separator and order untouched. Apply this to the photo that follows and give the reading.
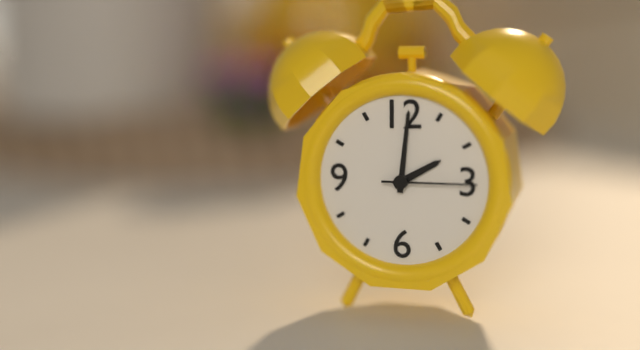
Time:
**2:01:15**
